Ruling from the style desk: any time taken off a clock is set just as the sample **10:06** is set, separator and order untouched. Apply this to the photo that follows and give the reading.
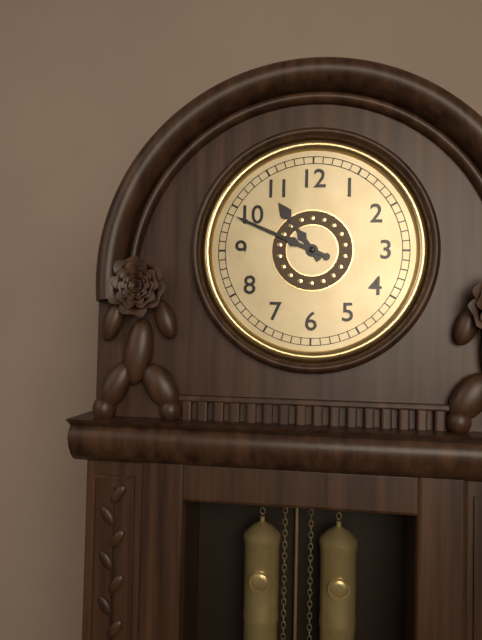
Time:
**10:49**
